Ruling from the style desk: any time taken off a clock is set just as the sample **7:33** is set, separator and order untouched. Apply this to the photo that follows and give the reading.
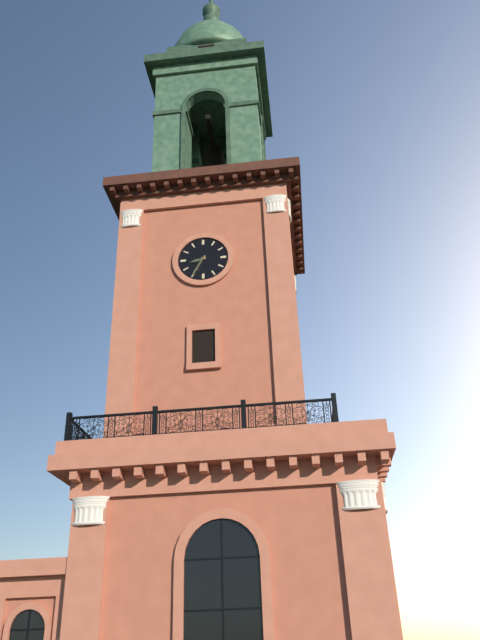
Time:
**8:35**
